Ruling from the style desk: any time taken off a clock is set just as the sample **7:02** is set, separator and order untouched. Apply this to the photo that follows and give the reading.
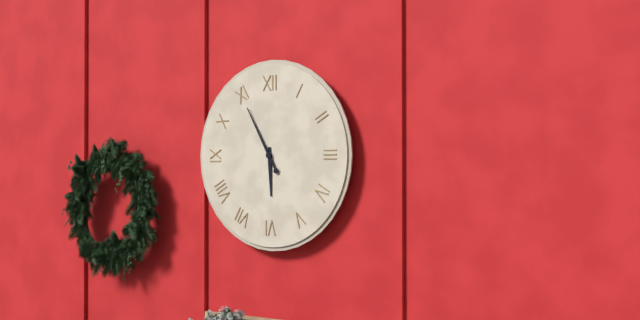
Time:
**5:55**
